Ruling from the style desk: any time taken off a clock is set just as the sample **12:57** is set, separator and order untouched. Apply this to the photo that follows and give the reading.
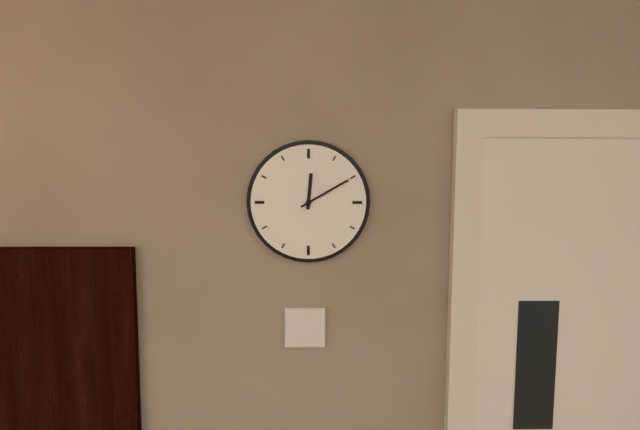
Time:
**12:10**
